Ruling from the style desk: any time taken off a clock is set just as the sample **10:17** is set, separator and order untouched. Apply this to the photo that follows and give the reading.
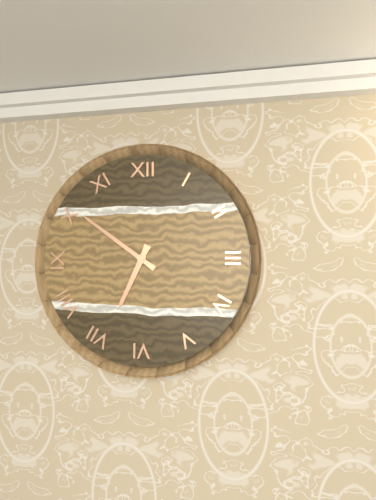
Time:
**6:51**
